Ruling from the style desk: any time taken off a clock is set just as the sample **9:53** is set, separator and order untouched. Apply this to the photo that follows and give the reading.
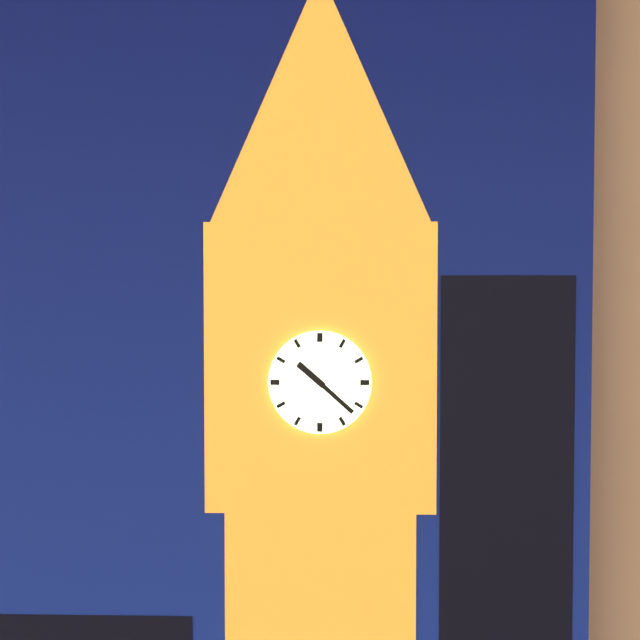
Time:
**10:22**
